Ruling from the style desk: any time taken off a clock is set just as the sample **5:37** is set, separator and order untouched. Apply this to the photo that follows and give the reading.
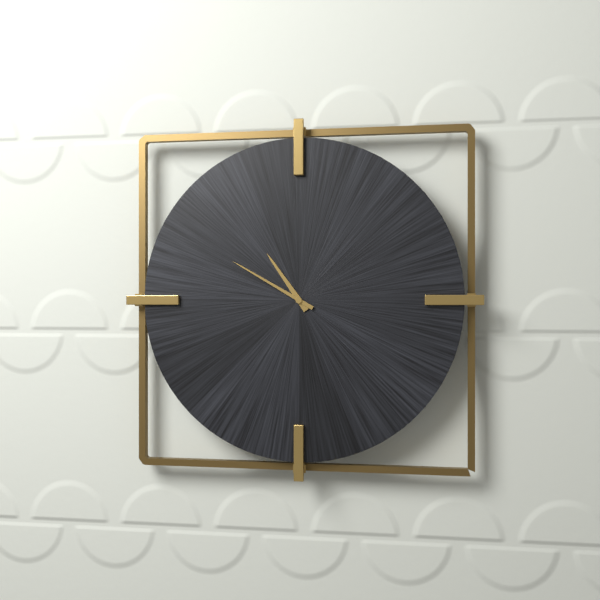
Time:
**10:50**
